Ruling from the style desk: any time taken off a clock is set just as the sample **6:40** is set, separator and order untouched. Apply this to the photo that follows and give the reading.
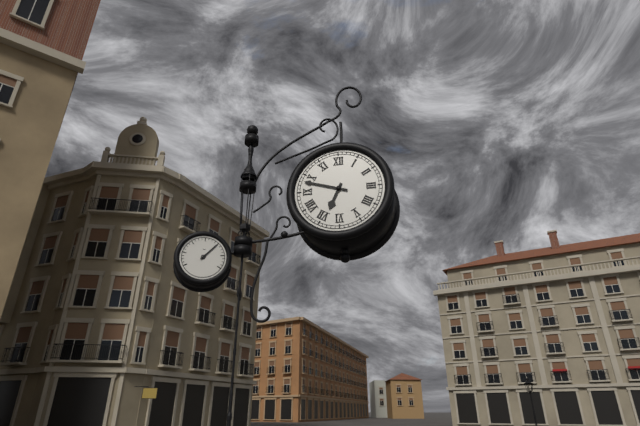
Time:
**6:48**
